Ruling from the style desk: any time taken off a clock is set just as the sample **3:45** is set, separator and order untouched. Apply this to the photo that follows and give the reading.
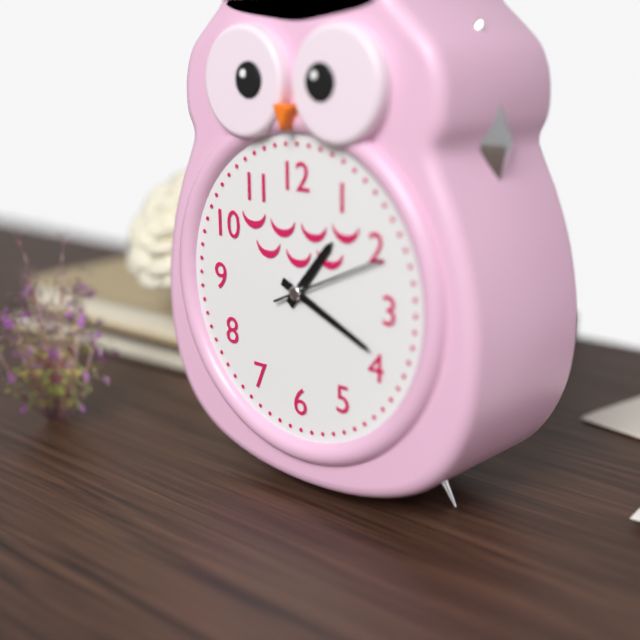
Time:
**1:19**
